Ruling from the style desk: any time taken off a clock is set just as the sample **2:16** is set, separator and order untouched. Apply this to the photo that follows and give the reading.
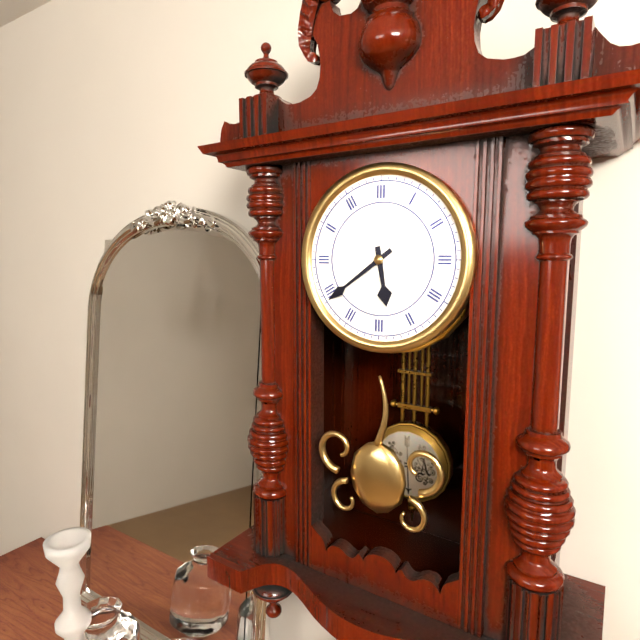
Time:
**5:39**
